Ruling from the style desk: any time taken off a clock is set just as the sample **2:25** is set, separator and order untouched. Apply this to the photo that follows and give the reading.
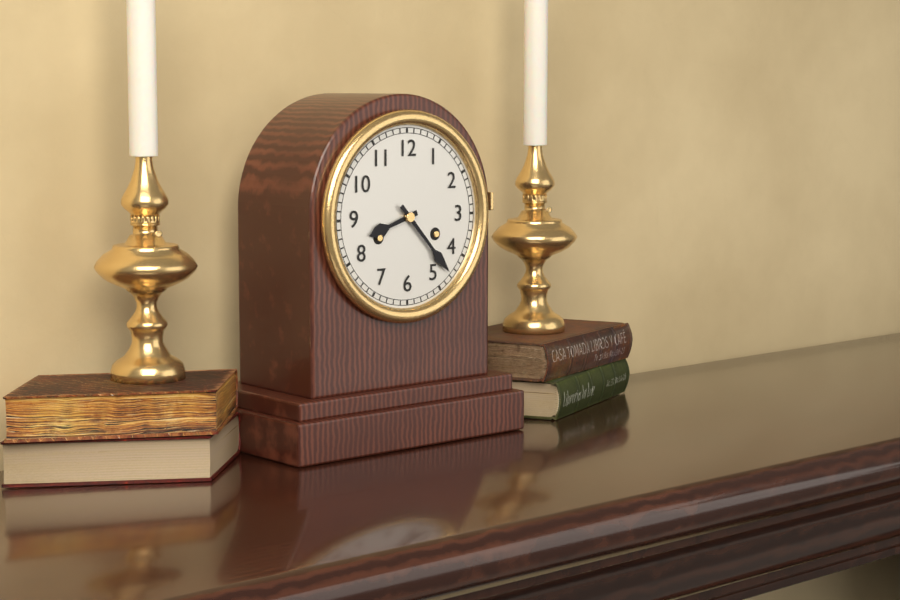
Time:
**8:23**
